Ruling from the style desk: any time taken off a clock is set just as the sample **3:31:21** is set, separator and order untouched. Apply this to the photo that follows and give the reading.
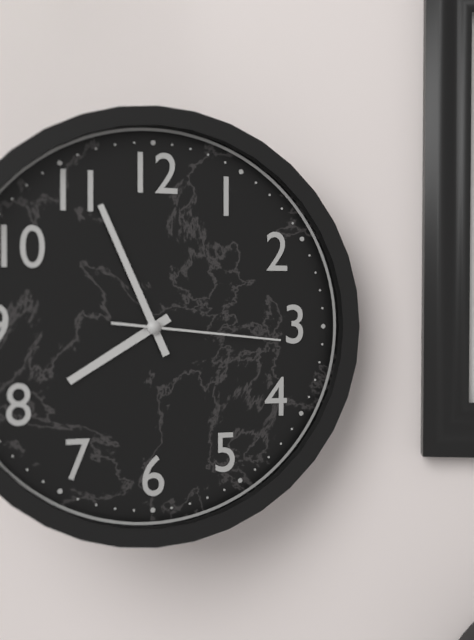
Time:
**7:56:16**
